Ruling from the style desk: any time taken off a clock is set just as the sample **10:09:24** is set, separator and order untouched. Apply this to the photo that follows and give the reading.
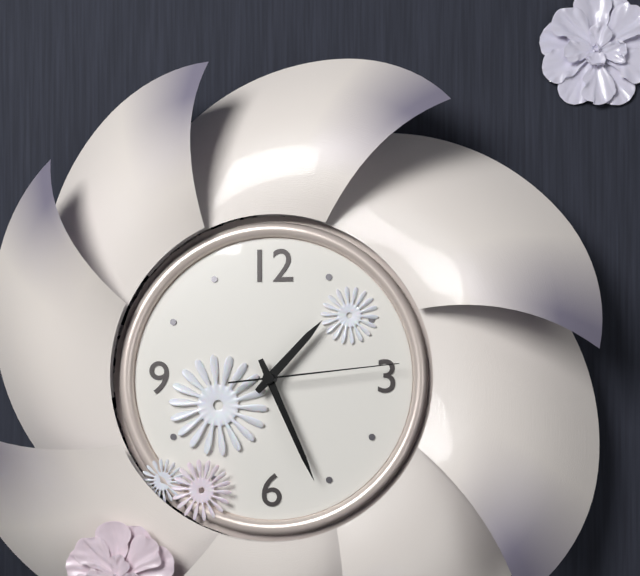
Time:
**1:26:14**
